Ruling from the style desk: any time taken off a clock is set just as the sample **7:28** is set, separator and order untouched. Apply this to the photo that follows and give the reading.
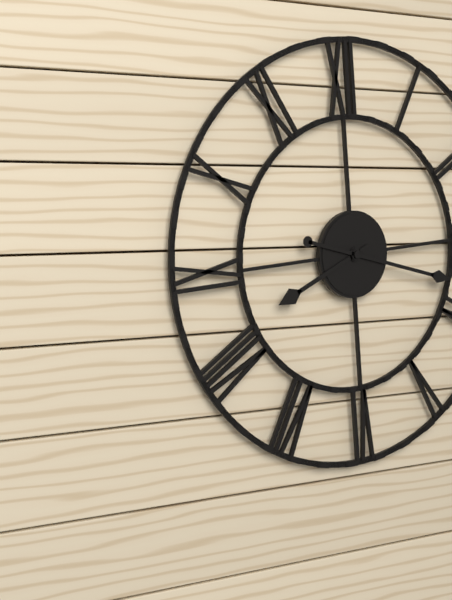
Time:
**8:18**
